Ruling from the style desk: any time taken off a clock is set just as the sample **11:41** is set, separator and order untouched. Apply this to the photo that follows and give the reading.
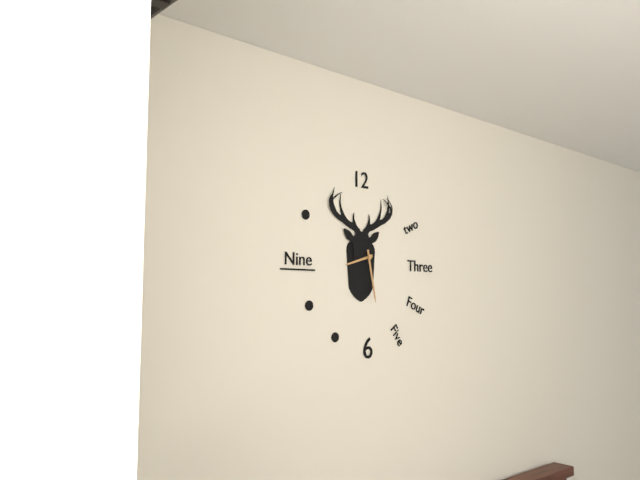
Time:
**8:28**
